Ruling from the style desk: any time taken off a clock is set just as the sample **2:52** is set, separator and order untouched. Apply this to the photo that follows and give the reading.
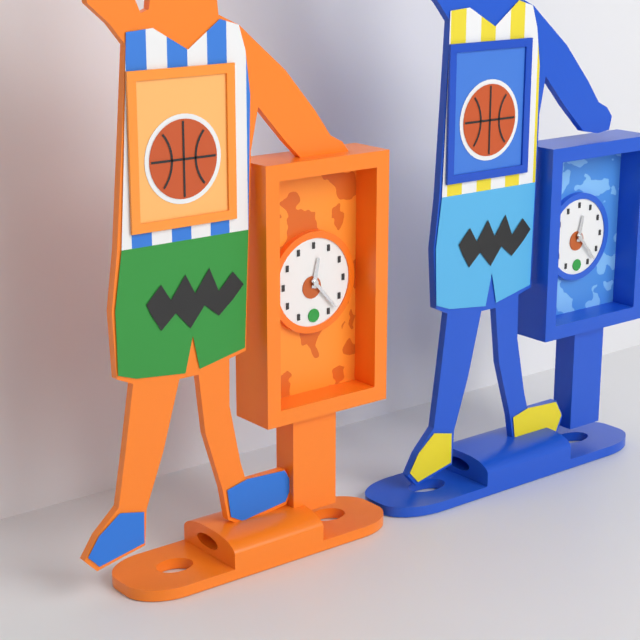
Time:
**12:23**
